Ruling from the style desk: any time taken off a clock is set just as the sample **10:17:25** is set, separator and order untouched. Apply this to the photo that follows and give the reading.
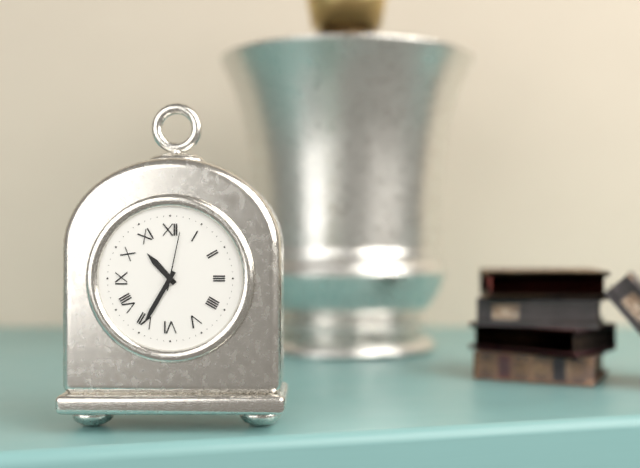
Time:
**10:35:02**
